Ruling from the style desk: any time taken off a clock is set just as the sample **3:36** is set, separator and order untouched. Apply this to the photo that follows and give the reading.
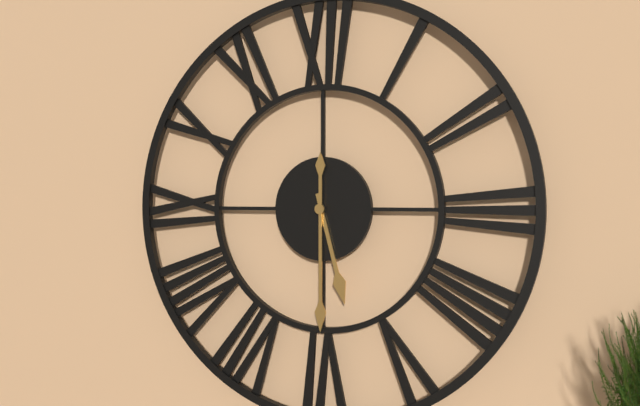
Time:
**5:30**
